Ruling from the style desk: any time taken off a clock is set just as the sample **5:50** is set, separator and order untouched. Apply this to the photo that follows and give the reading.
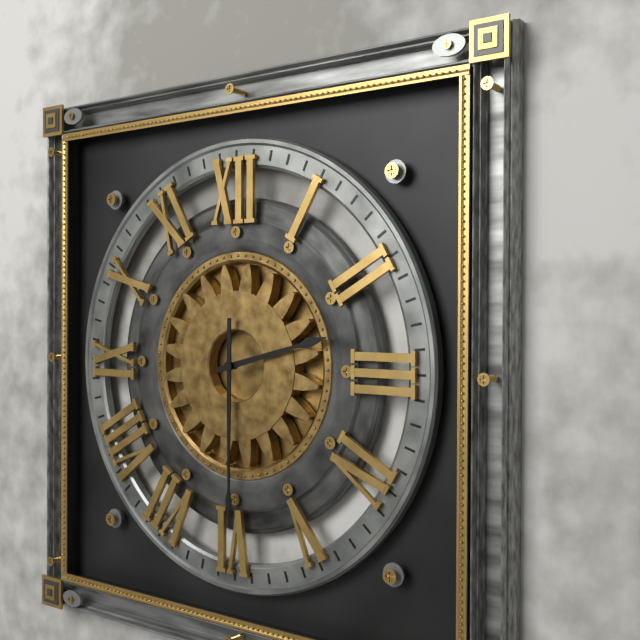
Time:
**2:30**
